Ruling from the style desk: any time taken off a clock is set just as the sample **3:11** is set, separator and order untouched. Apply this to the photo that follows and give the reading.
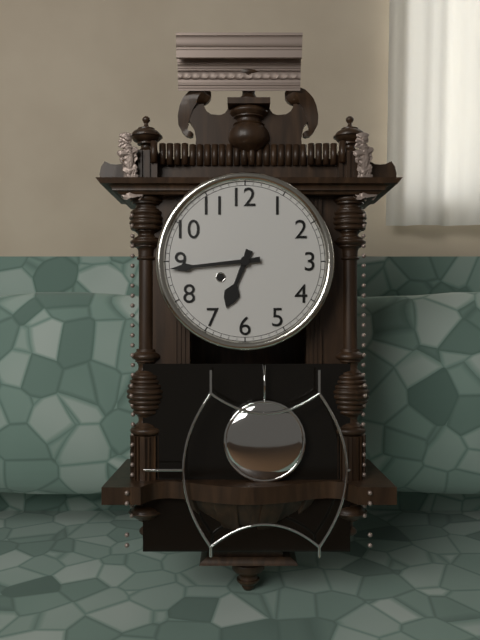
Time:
**6:44**
